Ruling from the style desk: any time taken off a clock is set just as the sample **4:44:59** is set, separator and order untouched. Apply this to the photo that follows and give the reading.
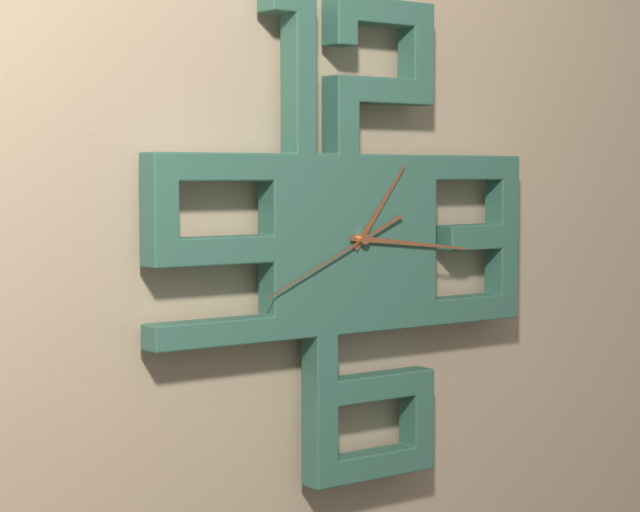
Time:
**1:16:41**
